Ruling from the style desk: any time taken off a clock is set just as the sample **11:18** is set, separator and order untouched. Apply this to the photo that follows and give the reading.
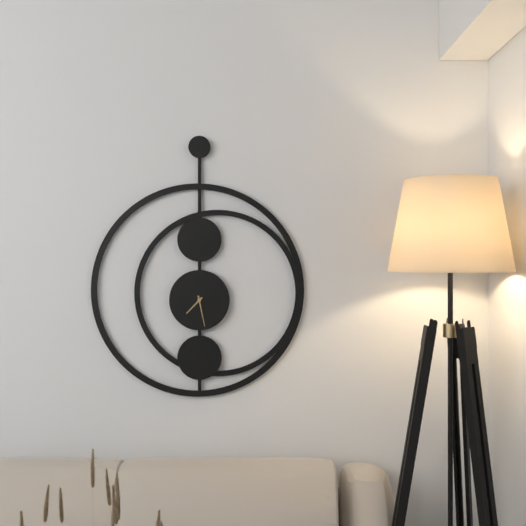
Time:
**7:28**
